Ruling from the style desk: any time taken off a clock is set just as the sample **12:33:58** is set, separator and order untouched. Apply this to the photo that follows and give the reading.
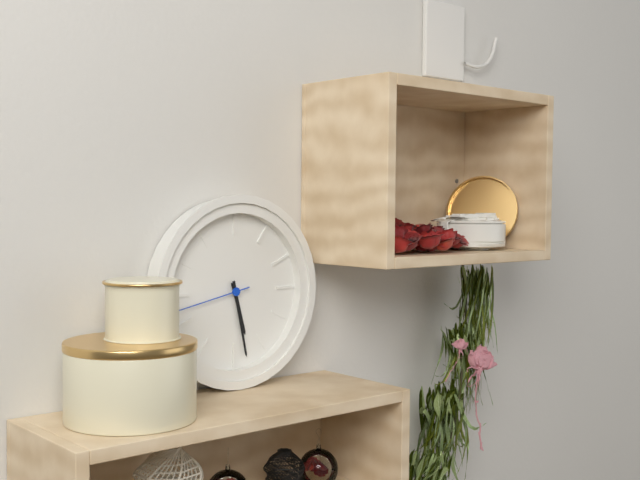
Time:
**5:28:43**
